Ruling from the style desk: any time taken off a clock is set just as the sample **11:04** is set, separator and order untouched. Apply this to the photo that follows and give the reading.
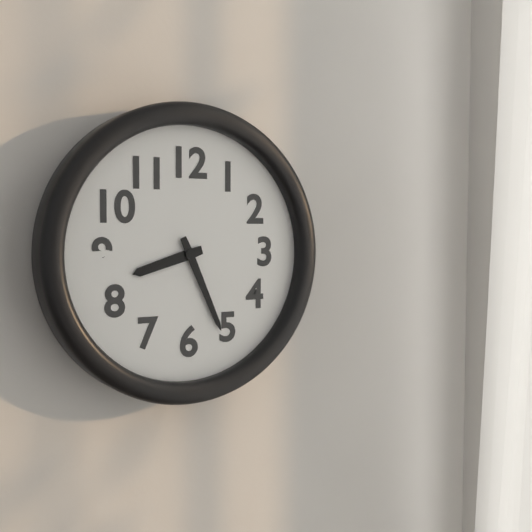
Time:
**8:26**
